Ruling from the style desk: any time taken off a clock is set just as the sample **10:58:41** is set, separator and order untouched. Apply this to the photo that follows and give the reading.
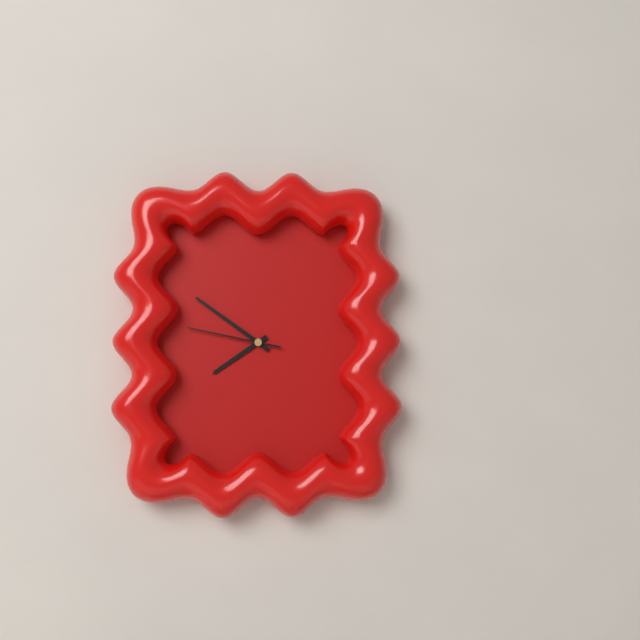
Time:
**7:51:47**
